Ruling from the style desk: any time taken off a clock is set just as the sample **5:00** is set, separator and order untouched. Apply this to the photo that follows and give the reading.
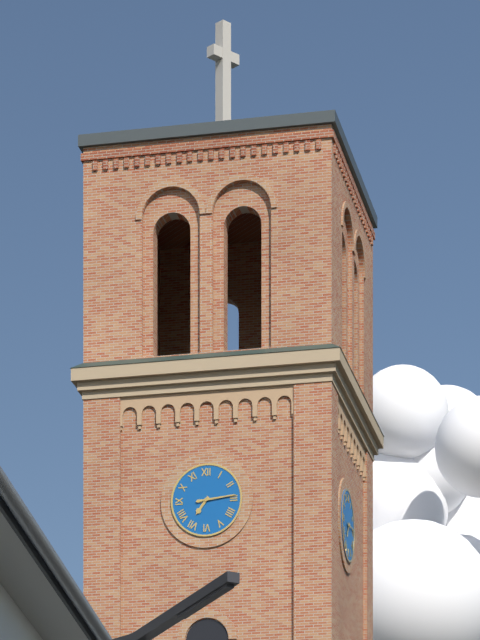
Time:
**7:14**
